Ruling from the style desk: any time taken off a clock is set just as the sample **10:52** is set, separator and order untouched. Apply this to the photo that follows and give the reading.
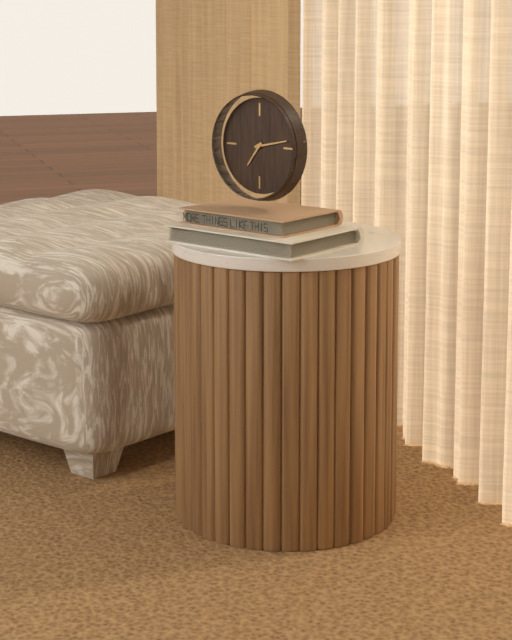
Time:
**7:13**
